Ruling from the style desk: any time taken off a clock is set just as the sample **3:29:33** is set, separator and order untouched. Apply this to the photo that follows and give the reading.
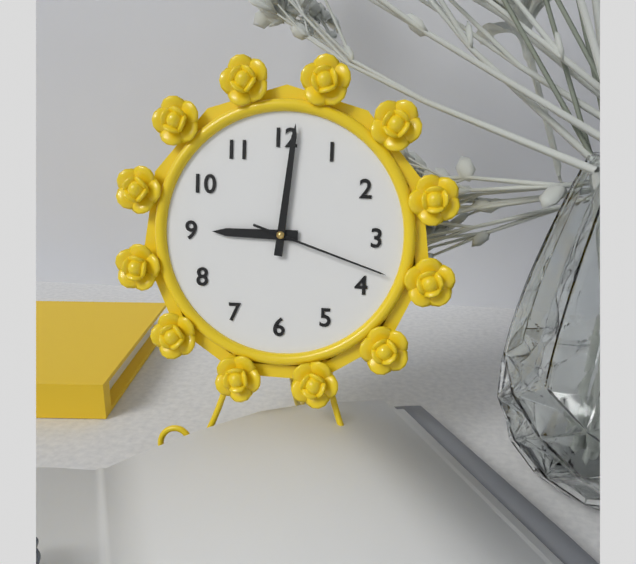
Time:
**9:01:18**
